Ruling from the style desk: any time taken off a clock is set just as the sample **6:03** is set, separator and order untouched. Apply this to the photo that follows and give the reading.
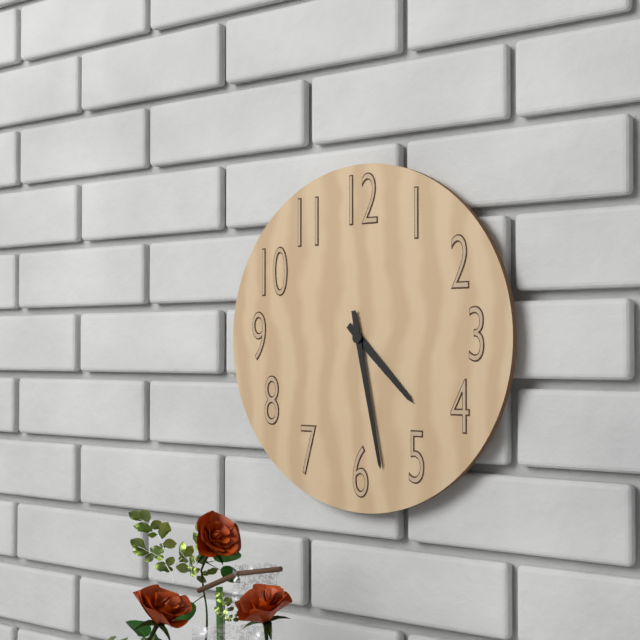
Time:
**4:28**
